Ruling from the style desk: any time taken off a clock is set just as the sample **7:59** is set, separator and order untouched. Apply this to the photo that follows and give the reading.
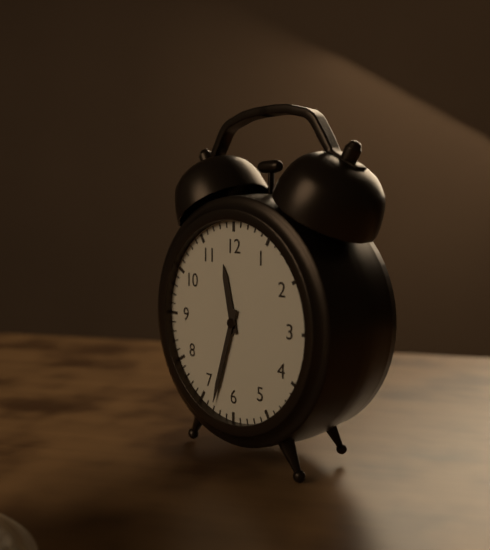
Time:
**11:33**
